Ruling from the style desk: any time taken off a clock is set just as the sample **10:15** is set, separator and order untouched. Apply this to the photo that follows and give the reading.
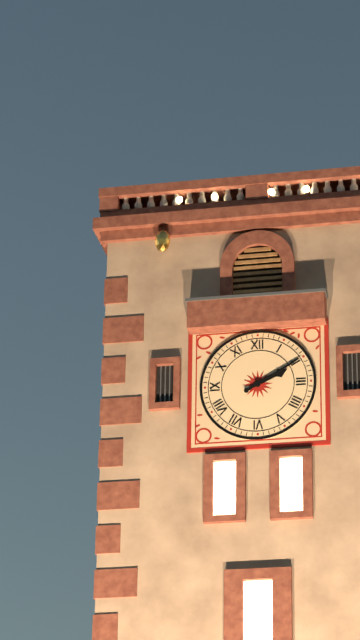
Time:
**2:10**
